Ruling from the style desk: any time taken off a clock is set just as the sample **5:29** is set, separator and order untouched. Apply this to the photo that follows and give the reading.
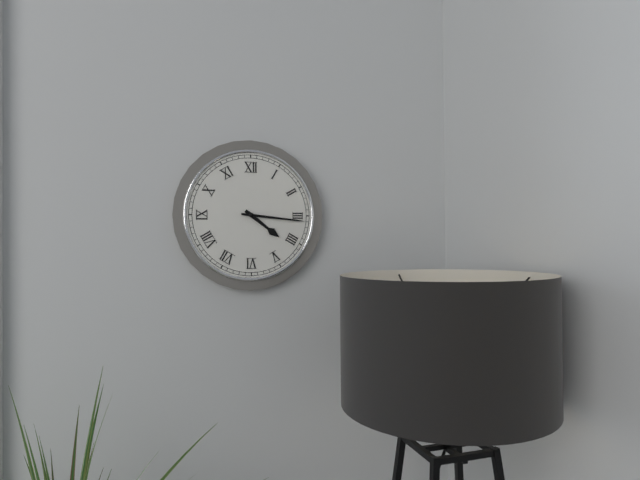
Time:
**4:16**
